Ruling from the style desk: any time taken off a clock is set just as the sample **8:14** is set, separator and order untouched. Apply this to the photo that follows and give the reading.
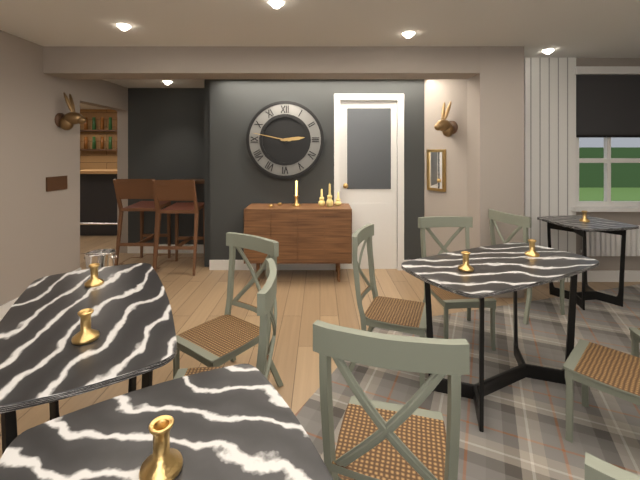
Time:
**2:47**
